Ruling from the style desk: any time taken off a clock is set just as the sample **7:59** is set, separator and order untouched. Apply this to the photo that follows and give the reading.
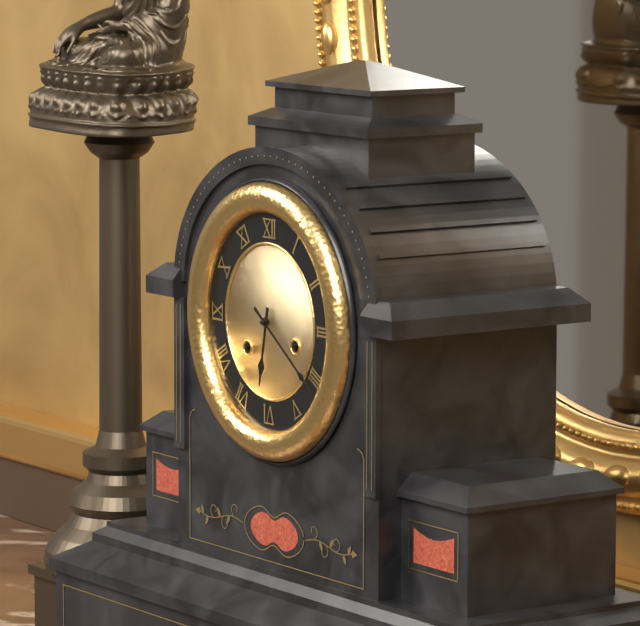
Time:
**6:21**
